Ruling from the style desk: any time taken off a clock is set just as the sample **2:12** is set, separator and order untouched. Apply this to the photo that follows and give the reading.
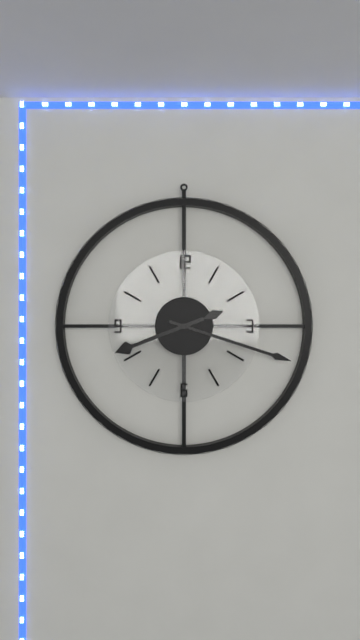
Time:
**8:18**
